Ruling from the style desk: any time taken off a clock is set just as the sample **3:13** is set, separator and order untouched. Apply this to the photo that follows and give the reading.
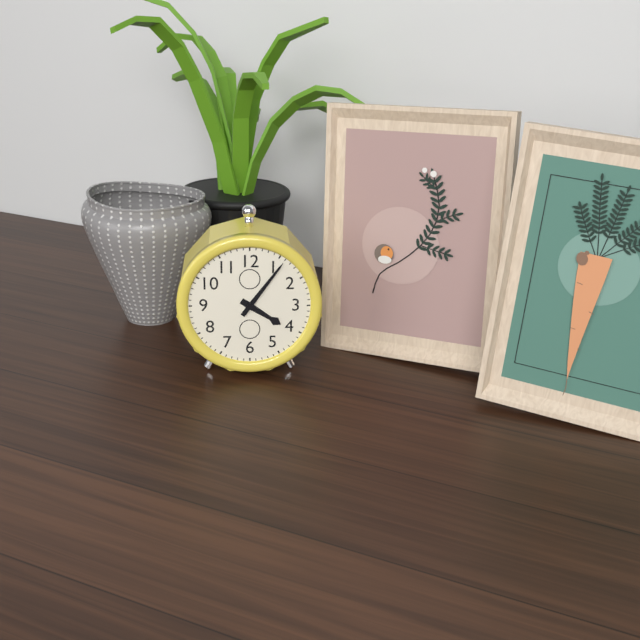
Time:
**4:06**
